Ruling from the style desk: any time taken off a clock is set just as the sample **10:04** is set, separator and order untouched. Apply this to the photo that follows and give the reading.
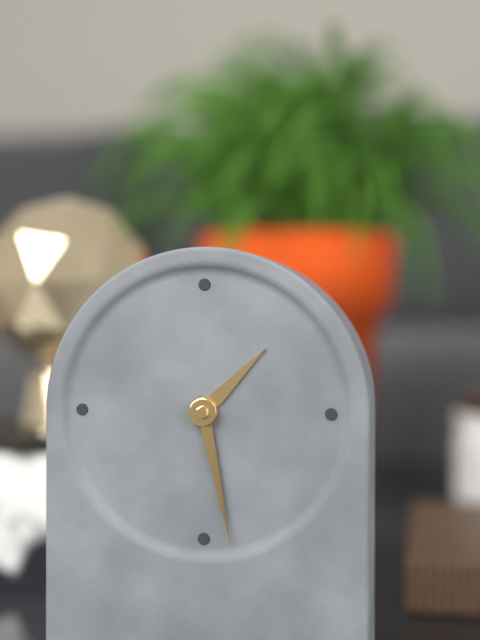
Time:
**1:28**
